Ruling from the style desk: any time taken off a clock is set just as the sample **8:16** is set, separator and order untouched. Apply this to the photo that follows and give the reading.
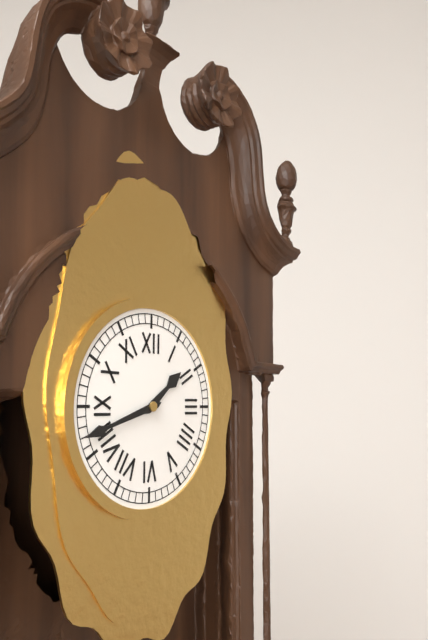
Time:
**1:42**
